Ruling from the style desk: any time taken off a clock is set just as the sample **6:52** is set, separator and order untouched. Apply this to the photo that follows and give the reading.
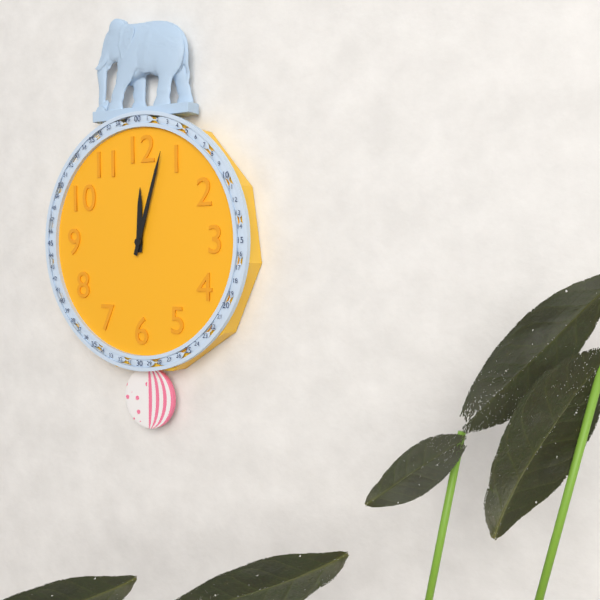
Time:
**12:03**
